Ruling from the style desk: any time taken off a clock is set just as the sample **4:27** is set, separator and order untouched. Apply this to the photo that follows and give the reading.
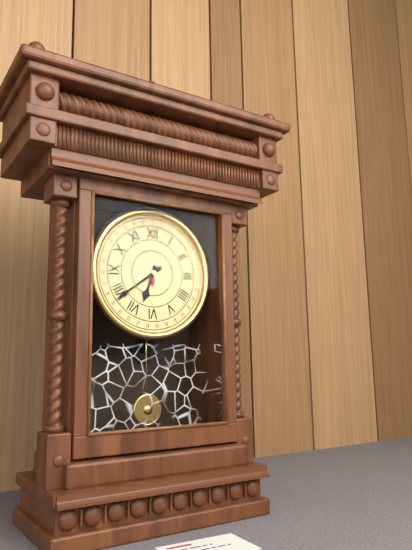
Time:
**6:39**
